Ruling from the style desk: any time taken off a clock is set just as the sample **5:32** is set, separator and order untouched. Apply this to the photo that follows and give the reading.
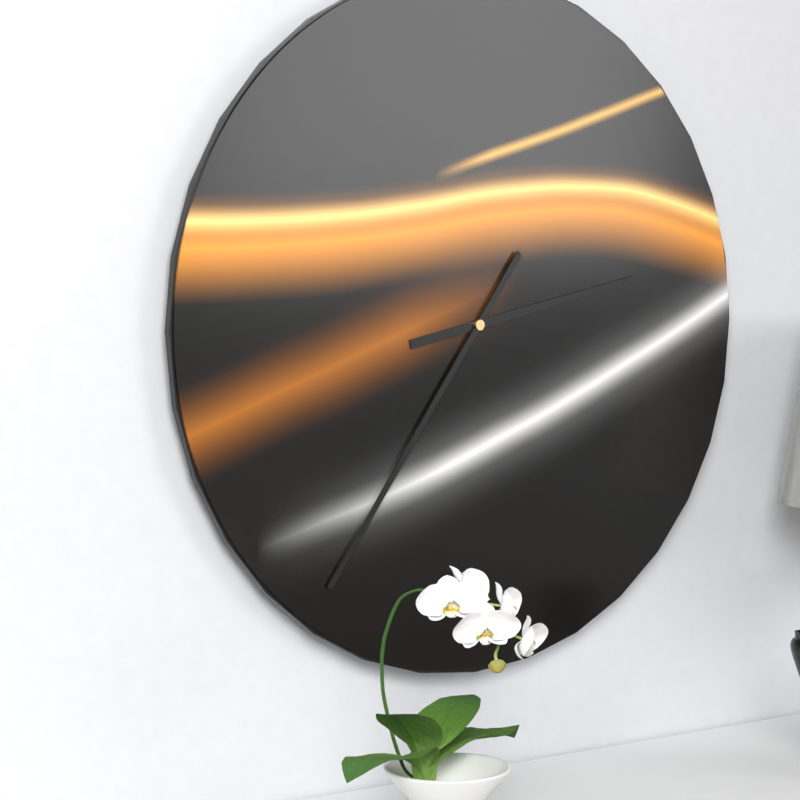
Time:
**2:36**
